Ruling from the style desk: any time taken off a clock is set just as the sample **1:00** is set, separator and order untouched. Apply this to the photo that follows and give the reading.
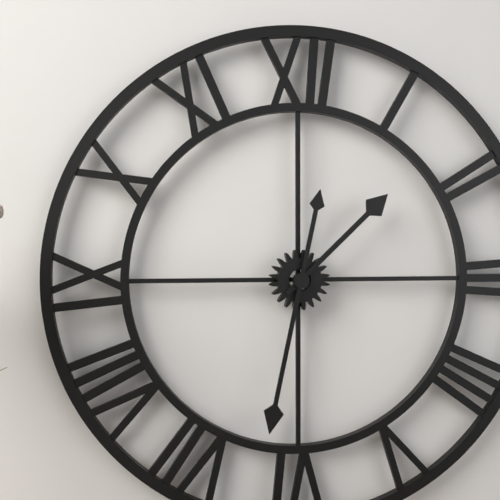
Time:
**1:32**
